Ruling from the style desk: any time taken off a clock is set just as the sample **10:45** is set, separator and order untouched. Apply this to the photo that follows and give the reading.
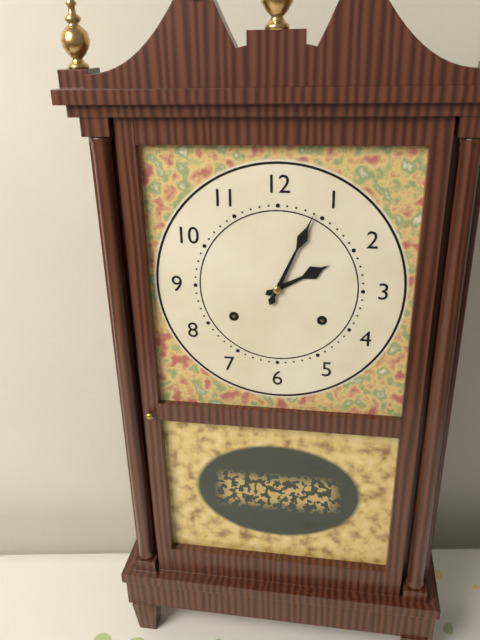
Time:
**2:04**
